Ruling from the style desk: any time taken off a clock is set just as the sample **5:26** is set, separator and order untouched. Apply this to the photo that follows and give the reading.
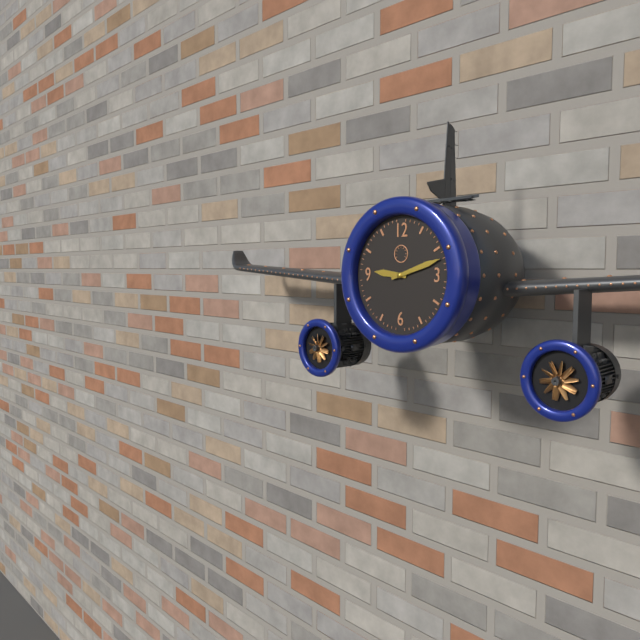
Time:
**9:12**
